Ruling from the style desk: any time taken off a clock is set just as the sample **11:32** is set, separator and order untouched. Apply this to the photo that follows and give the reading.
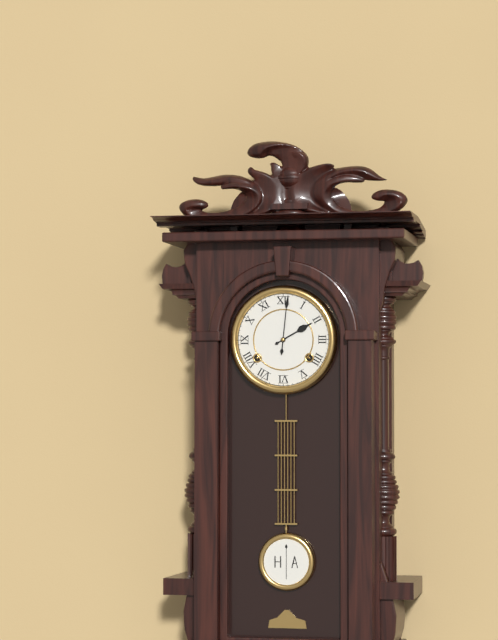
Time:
**2:01**
